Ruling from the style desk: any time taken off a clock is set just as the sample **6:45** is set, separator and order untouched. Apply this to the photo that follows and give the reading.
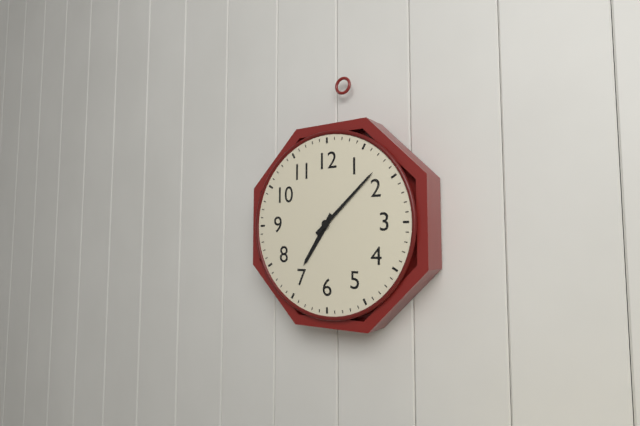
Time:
**7:08**
